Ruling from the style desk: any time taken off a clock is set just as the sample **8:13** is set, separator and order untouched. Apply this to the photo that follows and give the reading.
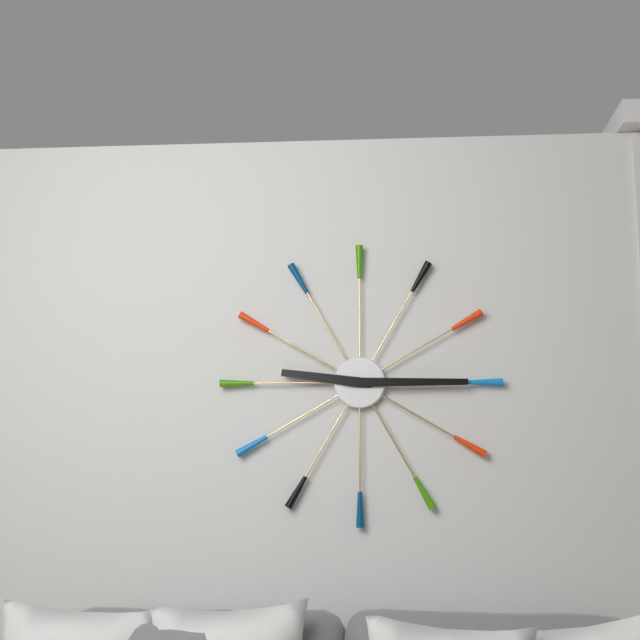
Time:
**9:15**
